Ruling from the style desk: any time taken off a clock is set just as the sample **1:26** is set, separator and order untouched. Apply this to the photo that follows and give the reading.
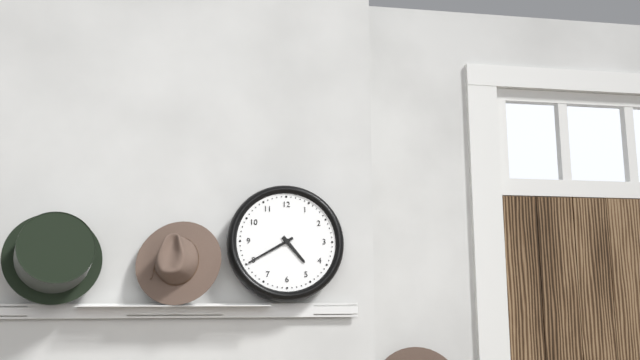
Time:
**4:40**
